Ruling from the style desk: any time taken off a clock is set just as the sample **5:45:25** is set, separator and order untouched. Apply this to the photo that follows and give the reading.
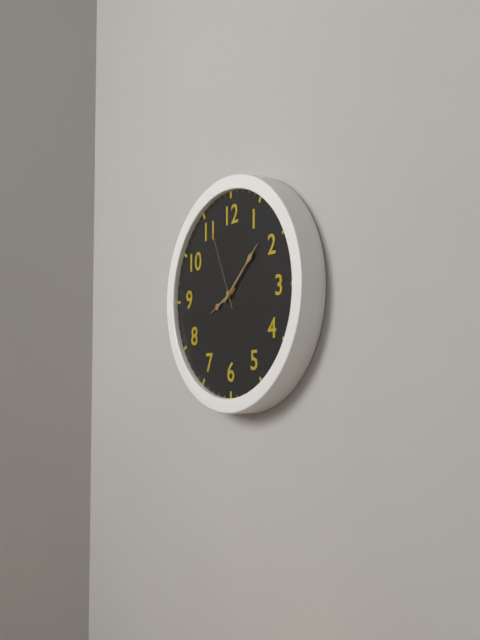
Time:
**8:08:56**
